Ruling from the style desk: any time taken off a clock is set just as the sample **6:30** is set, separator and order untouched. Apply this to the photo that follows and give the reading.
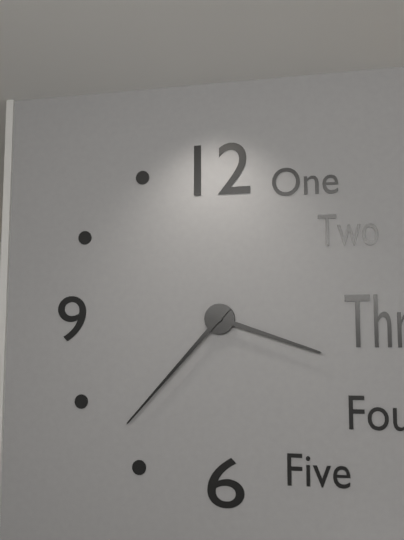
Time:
**3:37**
